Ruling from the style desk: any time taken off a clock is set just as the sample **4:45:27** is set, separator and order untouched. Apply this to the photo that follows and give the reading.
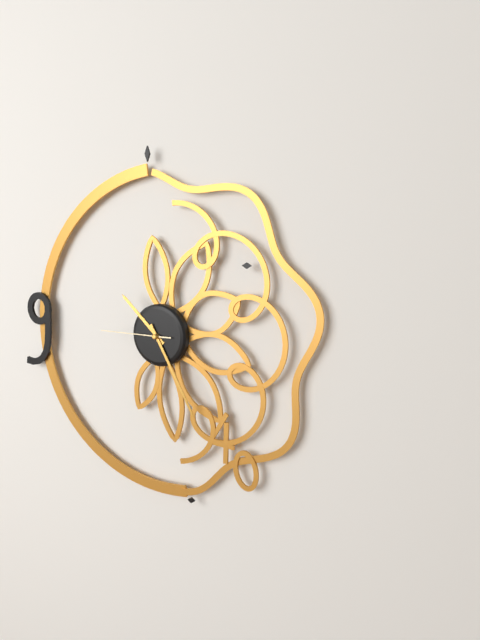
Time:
**10:25:45**
